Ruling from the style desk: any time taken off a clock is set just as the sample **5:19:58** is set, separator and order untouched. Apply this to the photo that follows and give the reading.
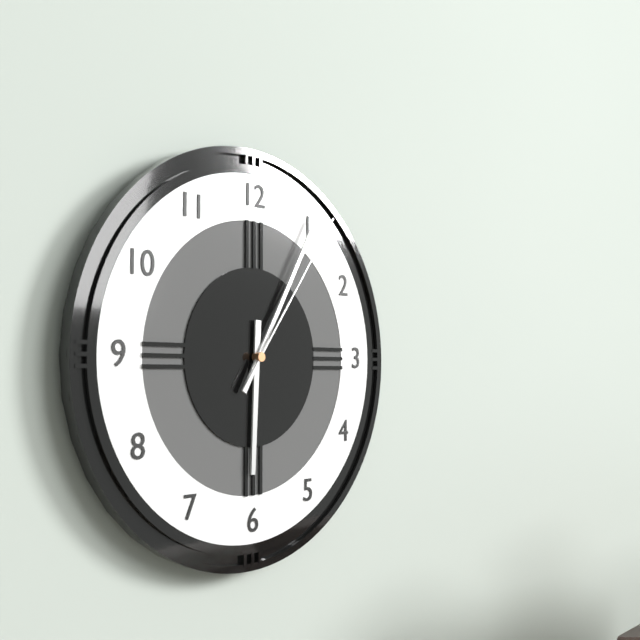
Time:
**6:05:06**
